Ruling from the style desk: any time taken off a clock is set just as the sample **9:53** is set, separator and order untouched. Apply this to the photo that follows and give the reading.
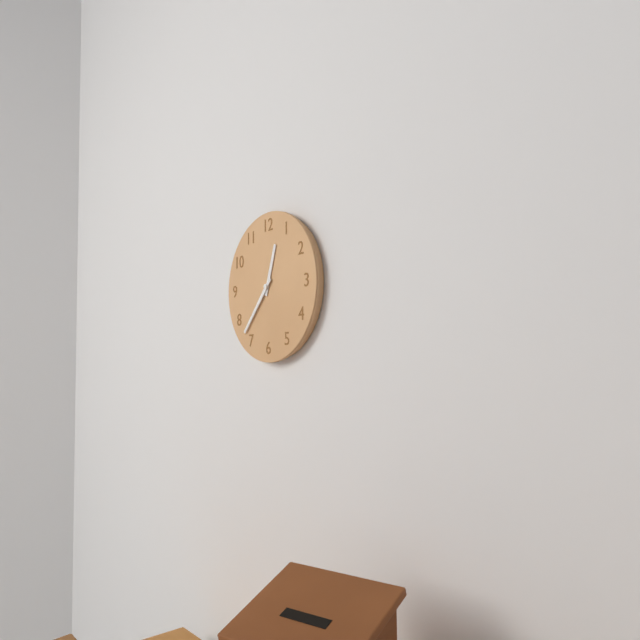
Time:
**12:37**
